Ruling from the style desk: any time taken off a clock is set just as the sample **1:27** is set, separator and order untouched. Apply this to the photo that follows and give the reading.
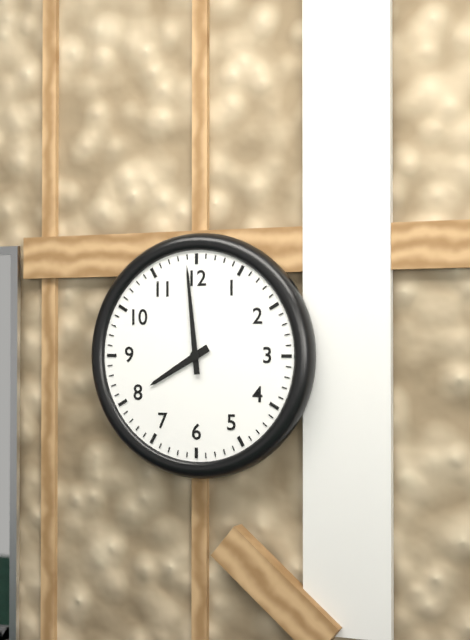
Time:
**7:59**
